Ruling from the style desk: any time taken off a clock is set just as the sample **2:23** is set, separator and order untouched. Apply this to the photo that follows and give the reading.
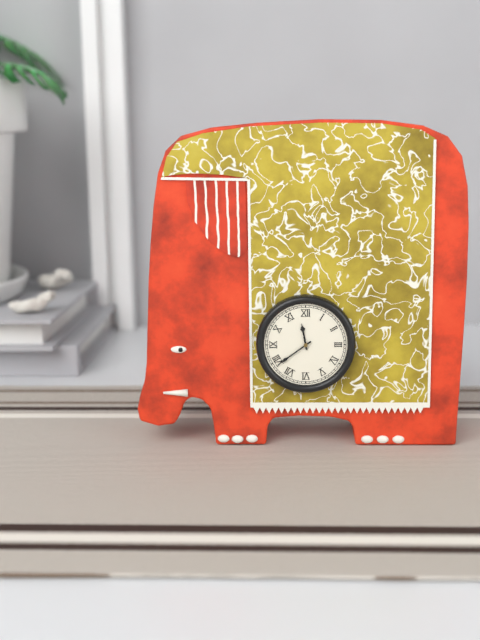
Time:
**11:39**
